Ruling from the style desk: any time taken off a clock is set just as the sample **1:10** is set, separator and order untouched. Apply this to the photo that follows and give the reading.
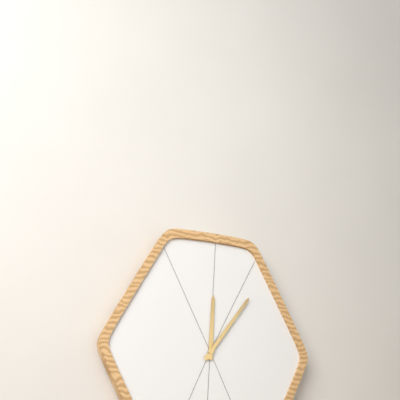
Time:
**12:06**
